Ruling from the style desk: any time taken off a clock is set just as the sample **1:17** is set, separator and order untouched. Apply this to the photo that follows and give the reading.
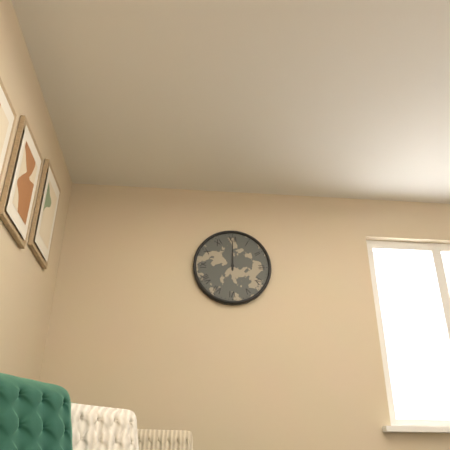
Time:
**12:00**
